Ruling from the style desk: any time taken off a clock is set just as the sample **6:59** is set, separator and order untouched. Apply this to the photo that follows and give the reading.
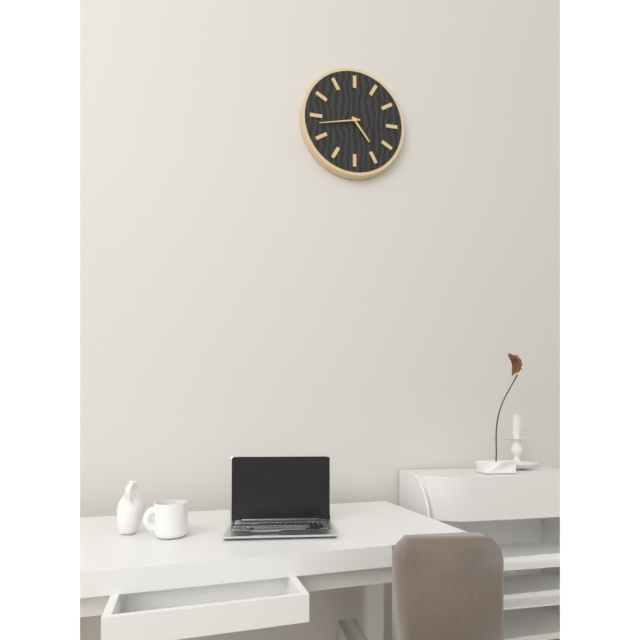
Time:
**4:43**
